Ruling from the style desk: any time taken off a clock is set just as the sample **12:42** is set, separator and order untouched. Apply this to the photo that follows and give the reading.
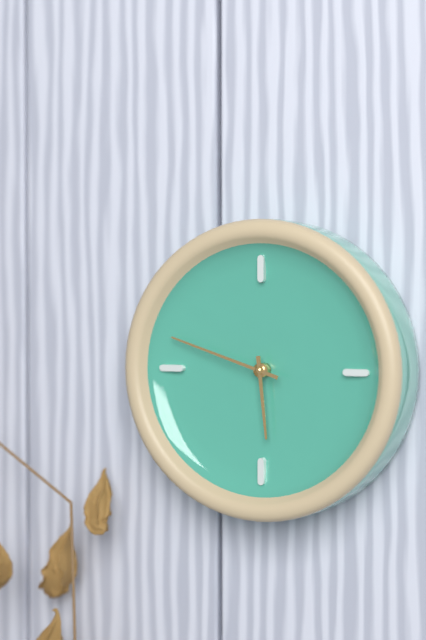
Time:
**5:48**
